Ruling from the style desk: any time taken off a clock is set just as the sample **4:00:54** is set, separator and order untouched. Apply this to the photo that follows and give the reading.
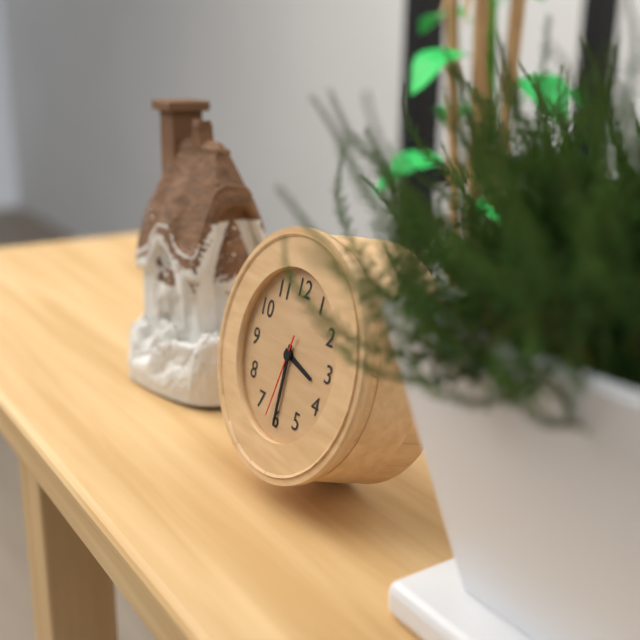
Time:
**3:30:32**
